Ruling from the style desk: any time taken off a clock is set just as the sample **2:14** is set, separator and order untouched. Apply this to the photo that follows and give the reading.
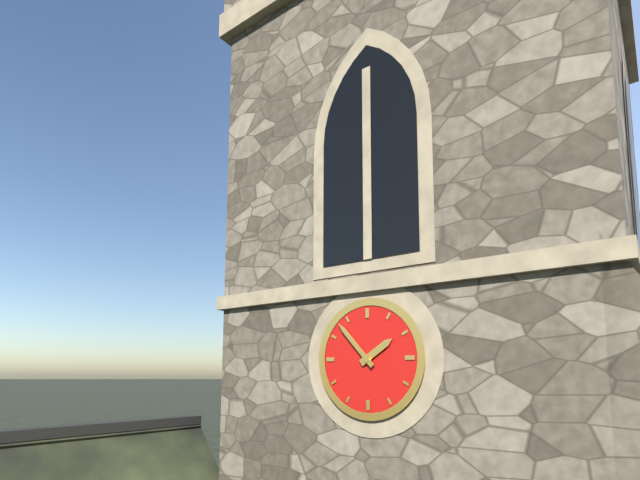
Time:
**1:53**
